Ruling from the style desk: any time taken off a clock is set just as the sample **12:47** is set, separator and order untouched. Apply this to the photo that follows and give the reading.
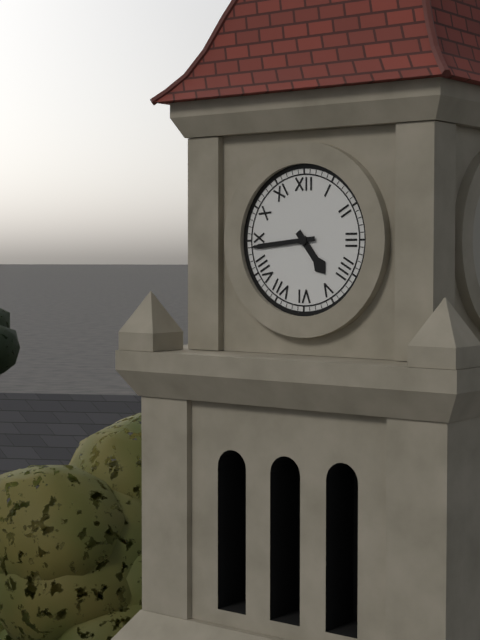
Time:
**4:44**
